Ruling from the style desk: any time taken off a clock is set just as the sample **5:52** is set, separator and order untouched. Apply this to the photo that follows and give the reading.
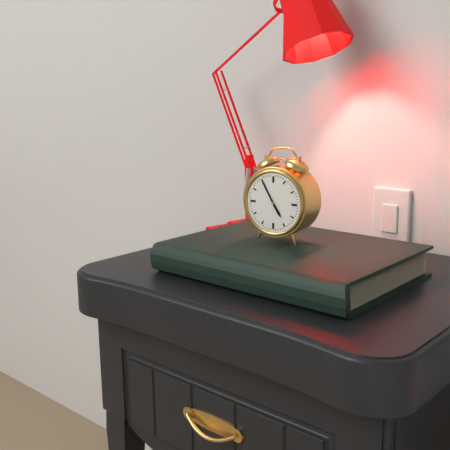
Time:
**4:55**
